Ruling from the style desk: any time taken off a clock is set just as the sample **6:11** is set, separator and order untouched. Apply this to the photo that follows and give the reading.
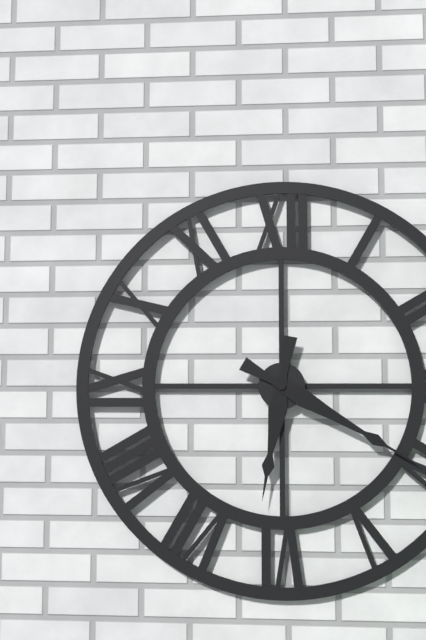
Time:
**6:20**
